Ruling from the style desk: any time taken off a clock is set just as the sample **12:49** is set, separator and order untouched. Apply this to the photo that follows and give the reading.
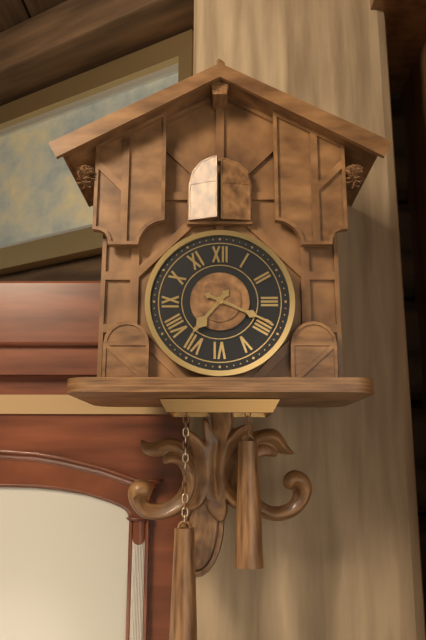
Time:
**7:19**
